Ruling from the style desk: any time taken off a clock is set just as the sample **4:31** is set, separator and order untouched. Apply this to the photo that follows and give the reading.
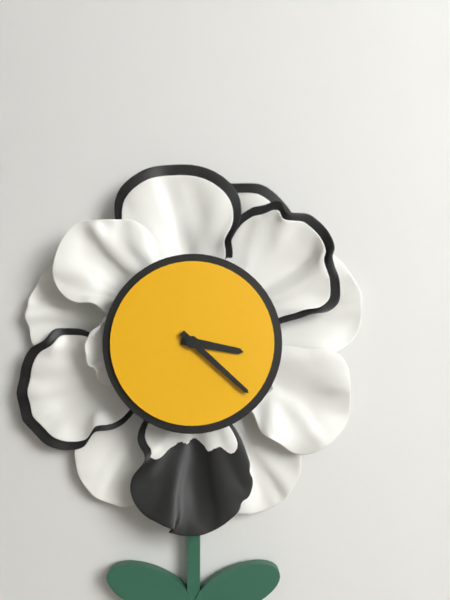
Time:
**3:22**
